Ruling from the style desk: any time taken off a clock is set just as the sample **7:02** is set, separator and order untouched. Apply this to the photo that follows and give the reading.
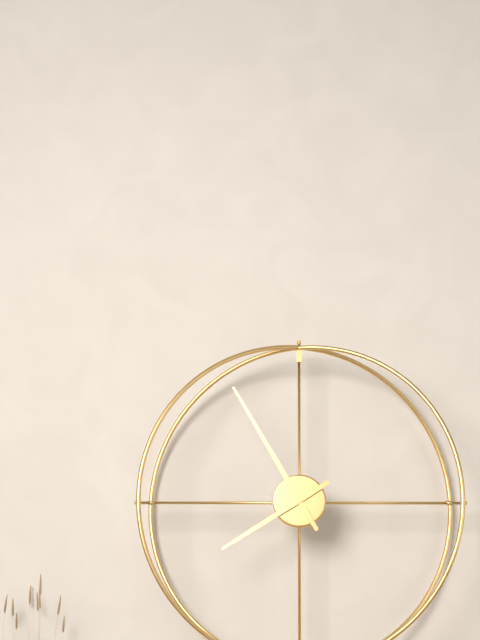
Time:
**7:55**
